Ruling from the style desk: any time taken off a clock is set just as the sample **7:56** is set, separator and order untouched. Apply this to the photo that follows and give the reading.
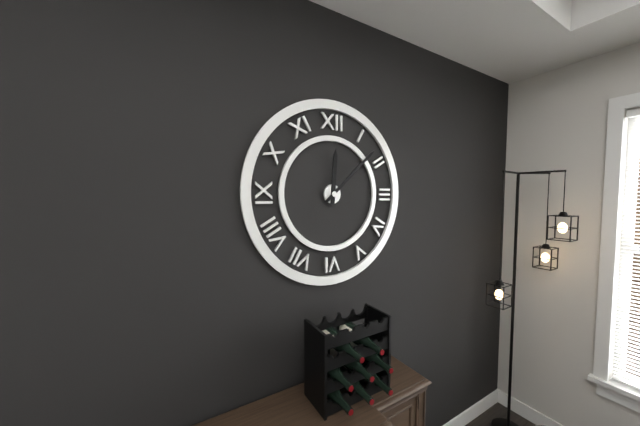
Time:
**12:08**
